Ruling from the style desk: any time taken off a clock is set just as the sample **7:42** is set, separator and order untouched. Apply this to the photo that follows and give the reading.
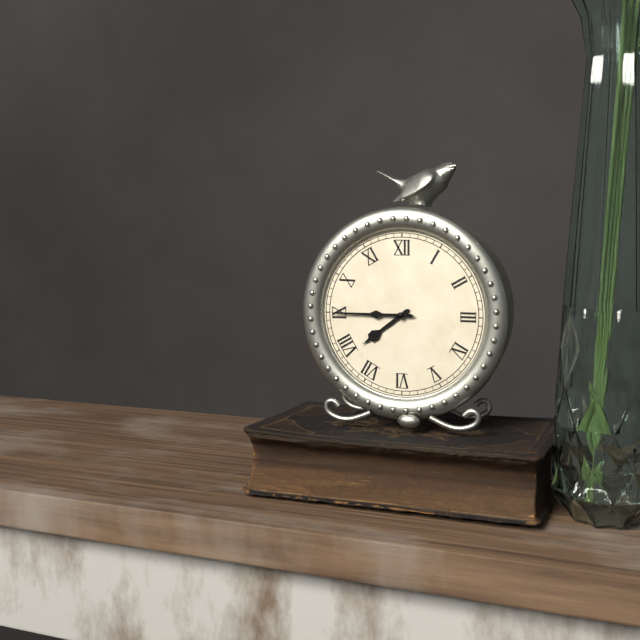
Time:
**7:45**
